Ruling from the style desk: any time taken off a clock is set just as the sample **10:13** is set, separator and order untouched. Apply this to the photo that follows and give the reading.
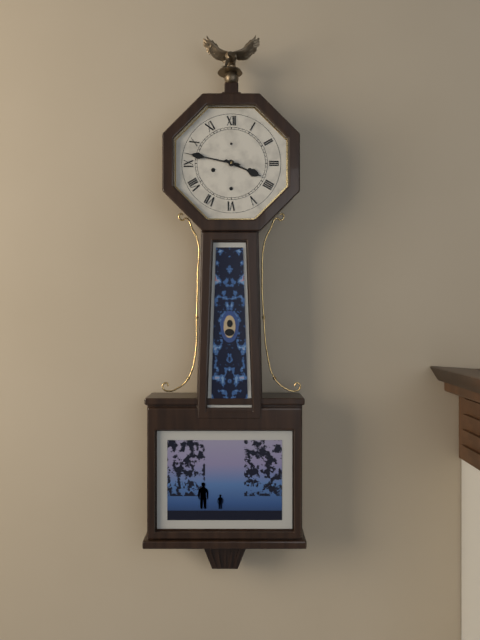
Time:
**3:47**
